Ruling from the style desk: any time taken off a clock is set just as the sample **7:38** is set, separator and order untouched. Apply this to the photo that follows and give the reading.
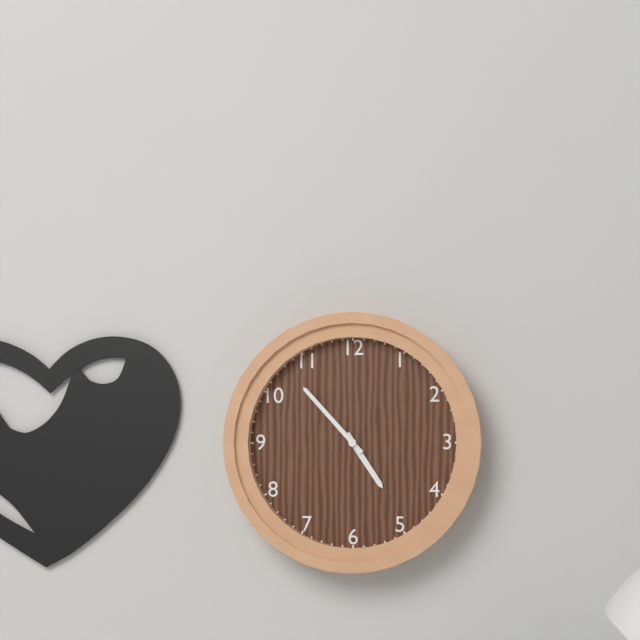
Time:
**4:53**
